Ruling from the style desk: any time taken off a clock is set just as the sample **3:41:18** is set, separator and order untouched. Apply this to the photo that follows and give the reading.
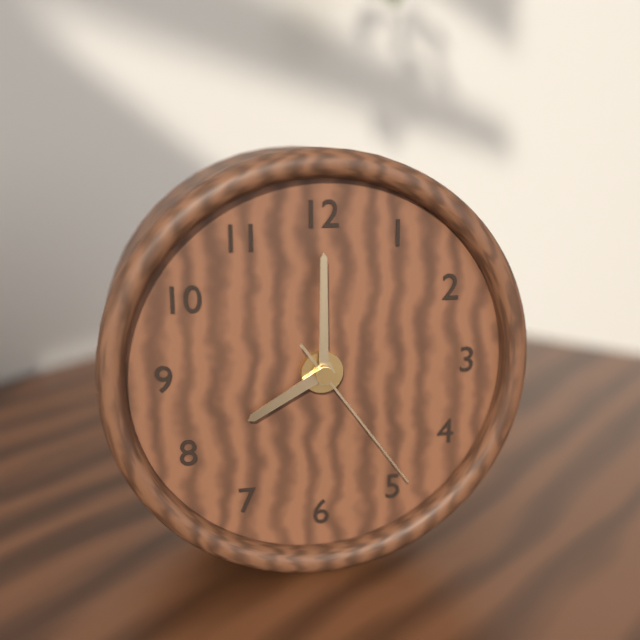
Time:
**8:00:24**
